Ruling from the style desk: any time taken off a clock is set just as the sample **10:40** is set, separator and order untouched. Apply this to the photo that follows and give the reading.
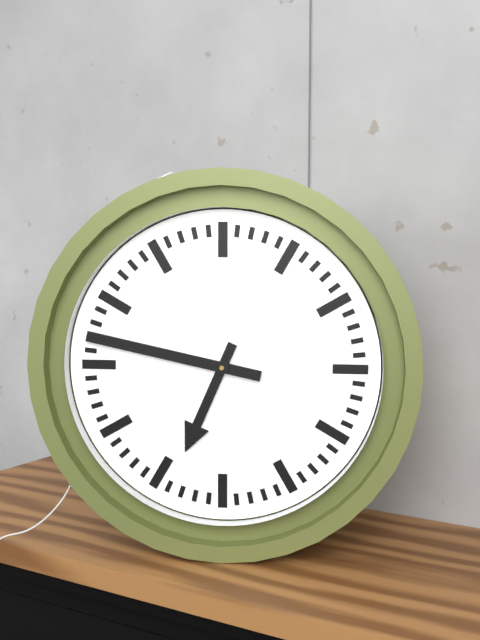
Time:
**6:47**
